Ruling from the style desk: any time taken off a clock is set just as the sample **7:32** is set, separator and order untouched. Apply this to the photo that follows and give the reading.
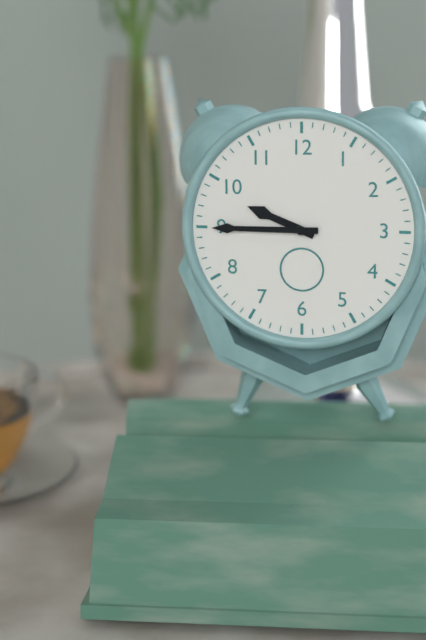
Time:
**9:45**
